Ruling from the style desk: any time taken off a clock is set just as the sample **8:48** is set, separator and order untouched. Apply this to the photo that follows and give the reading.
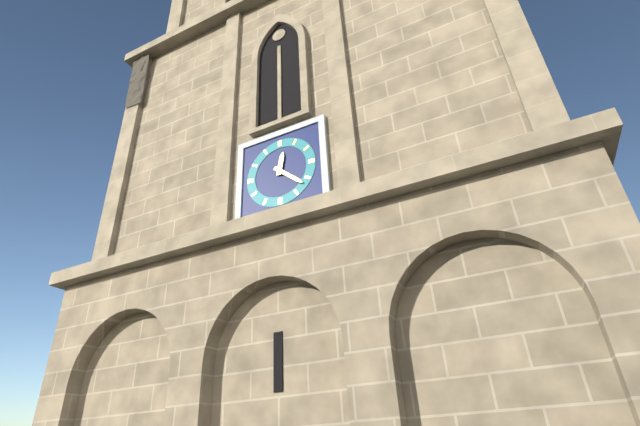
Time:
**12:22**
